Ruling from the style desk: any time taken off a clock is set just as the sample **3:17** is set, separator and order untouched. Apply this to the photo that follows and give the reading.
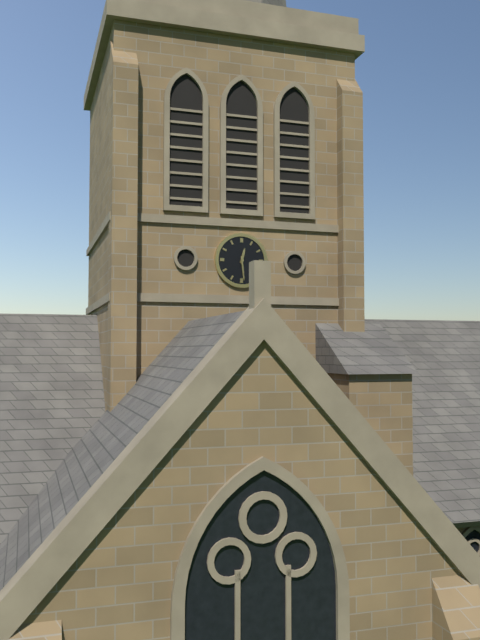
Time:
**12:29**
